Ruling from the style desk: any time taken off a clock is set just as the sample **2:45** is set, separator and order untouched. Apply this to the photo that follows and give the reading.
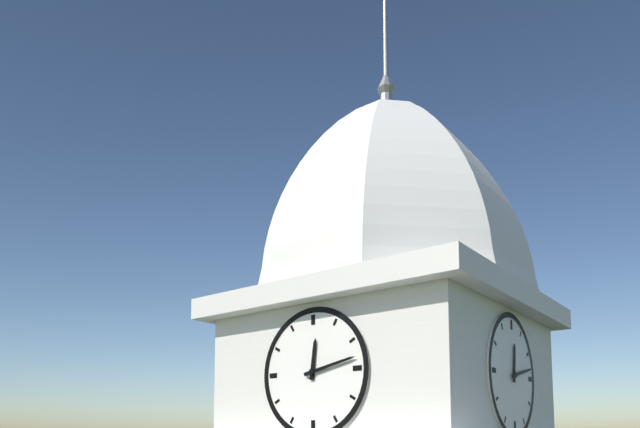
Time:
**12:13**
